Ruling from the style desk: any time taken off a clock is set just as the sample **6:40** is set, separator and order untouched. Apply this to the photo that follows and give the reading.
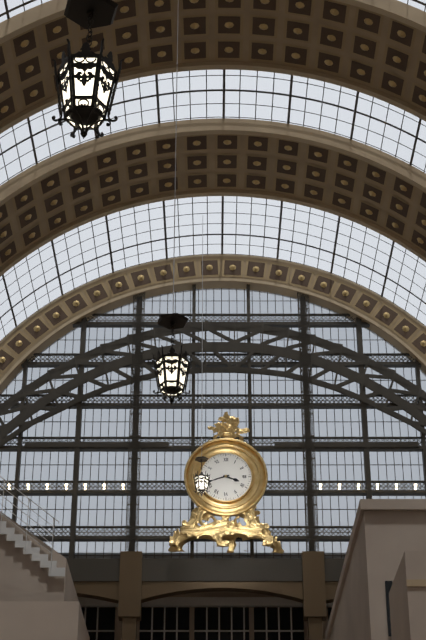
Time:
**3:42**
